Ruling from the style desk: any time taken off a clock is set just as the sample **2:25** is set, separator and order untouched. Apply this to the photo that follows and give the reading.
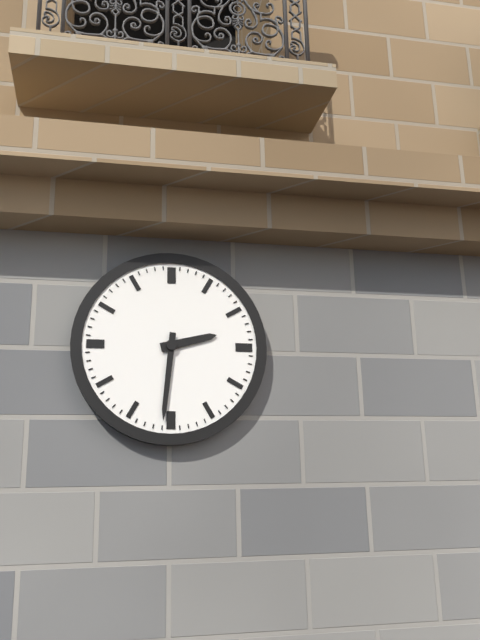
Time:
**2:31**
